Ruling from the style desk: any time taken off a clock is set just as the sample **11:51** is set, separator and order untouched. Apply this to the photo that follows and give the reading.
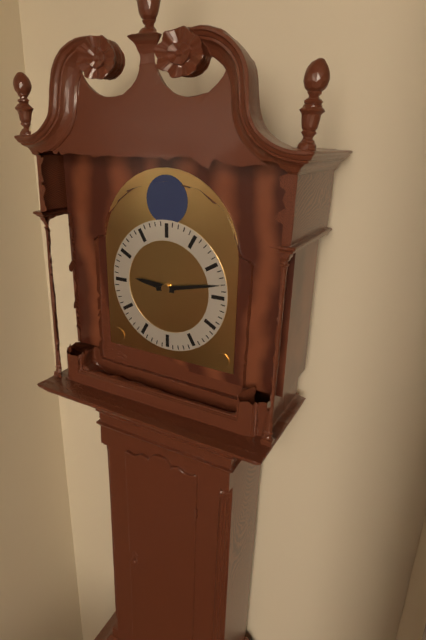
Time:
**9:13**
